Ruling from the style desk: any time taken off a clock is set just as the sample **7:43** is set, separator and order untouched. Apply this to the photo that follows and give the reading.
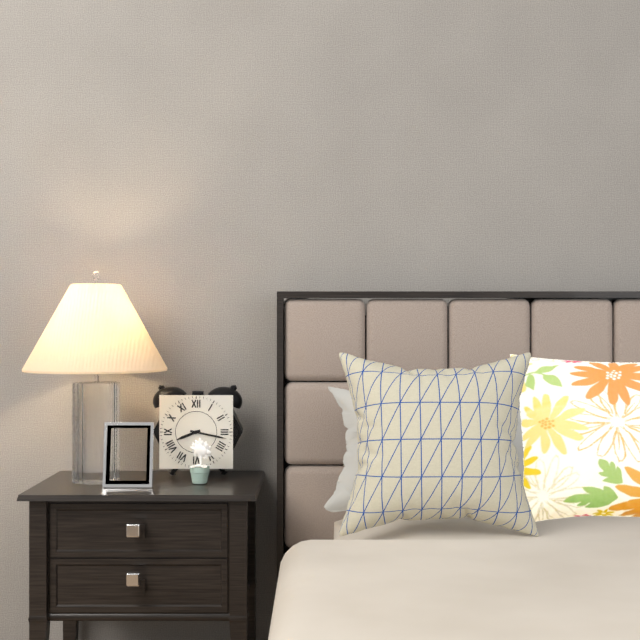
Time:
**8:17**
